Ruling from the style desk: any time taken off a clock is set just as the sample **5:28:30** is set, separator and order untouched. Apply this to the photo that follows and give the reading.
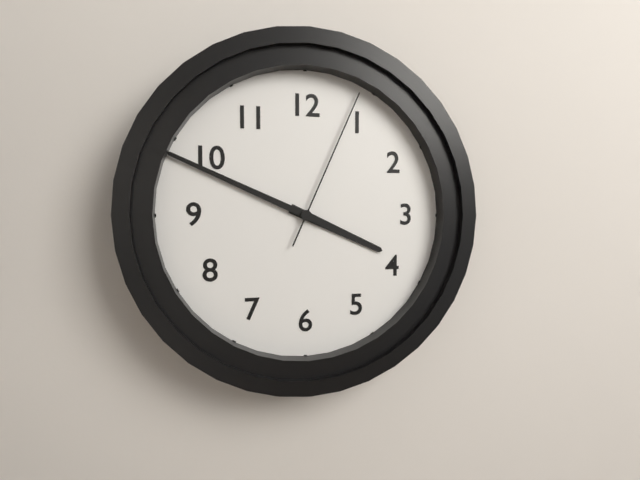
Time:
**3:49:04**
